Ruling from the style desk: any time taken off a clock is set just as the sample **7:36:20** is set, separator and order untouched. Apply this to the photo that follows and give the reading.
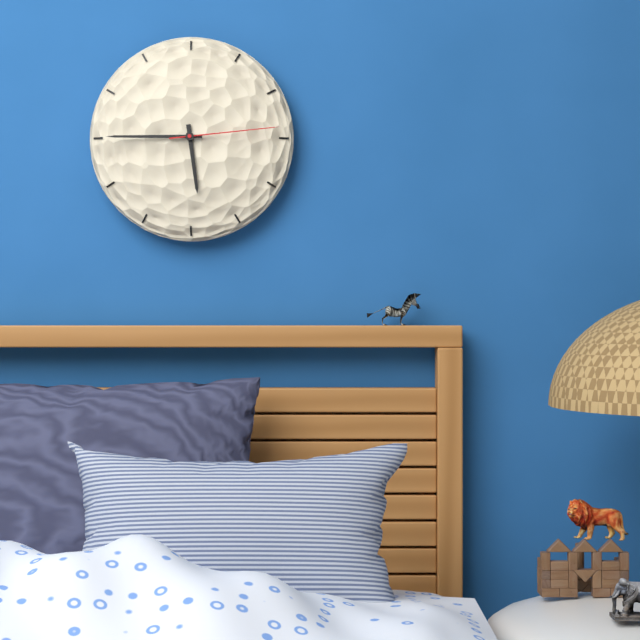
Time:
**5:45:14**
